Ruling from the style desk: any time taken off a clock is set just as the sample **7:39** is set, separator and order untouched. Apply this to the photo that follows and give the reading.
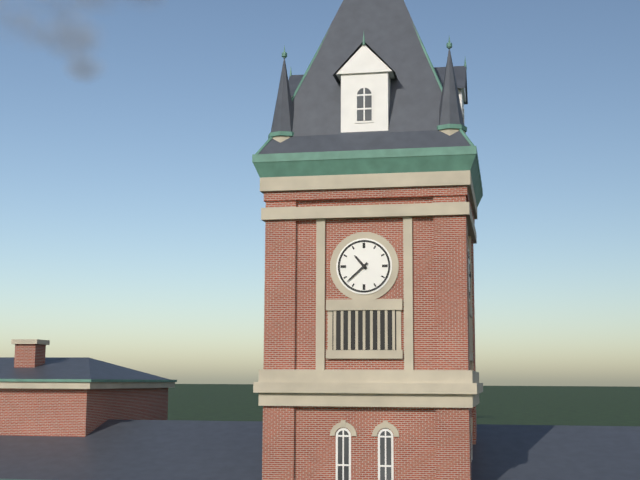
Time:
**10:38**
